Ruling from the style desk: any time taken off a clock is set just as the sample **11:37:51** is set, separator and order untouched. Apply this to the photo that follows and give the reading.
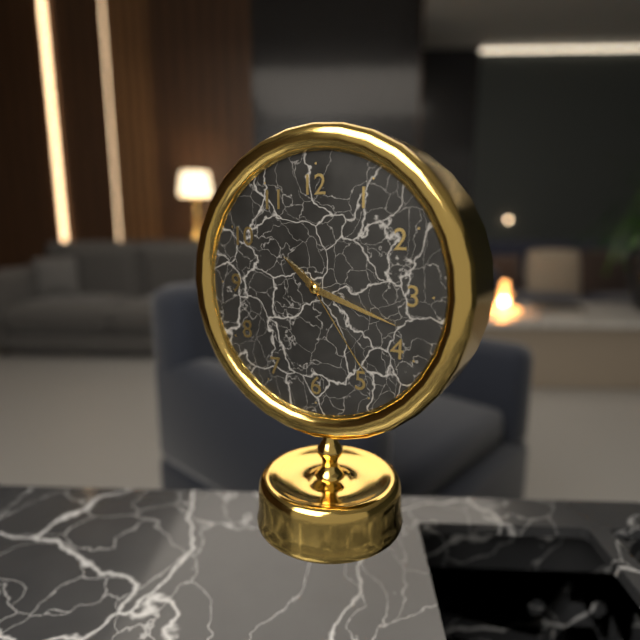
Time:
**10:18:24**
